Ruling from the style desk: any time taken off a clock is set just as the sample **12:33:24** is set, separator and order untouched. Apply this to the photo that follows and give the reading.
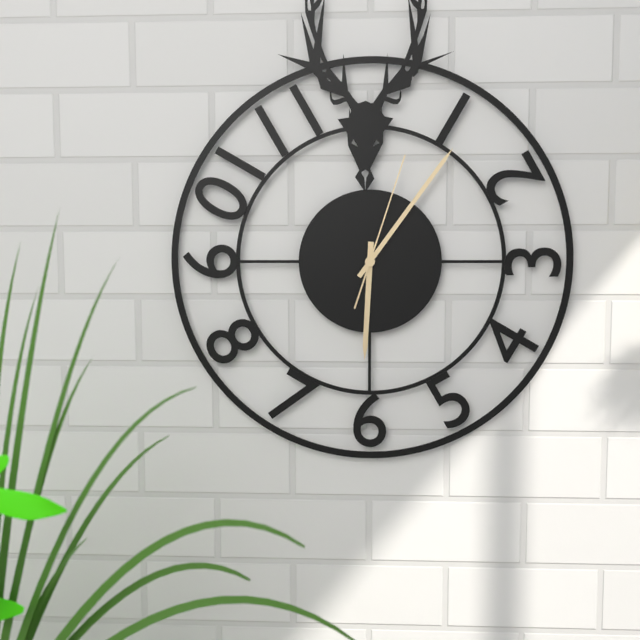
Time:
**6:06:03**
